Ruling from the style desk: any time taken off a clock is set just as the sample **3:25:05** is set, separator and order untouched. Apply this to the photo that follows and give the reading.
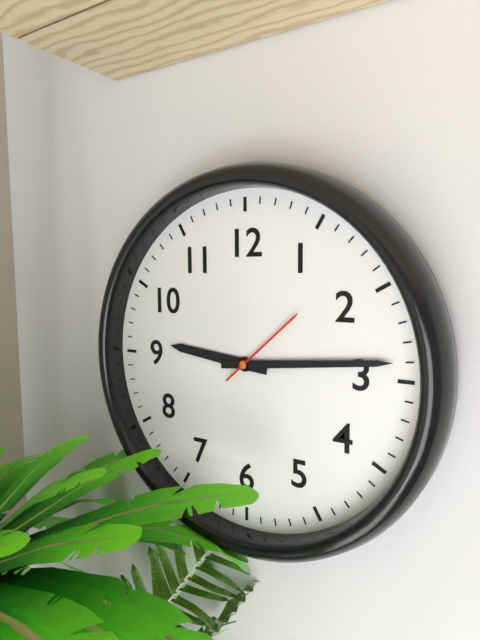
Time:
**9:14:08**
